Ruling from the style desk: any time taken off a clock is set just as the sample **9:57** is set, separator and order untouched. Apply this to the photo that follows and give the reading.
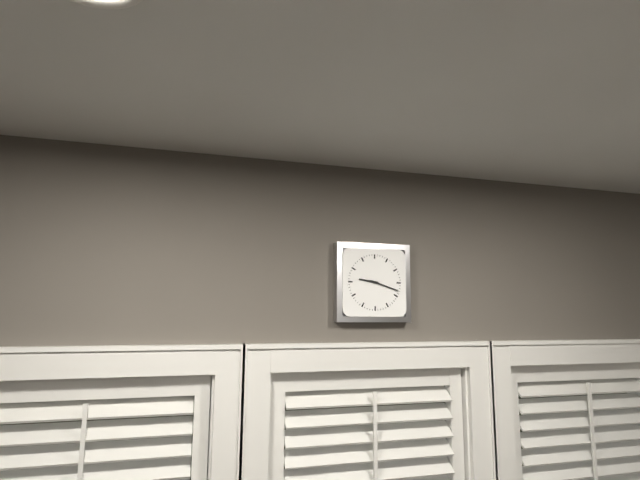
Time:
**9:18**
